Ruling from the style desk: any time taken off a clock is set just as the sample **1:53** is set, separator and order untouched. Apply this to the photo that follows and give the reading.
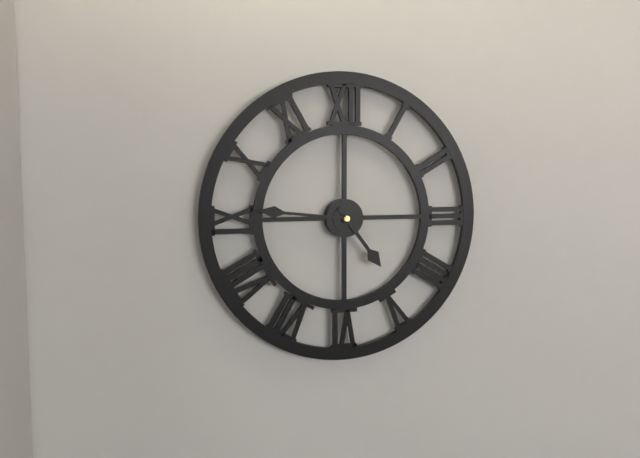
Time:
**4:46**
